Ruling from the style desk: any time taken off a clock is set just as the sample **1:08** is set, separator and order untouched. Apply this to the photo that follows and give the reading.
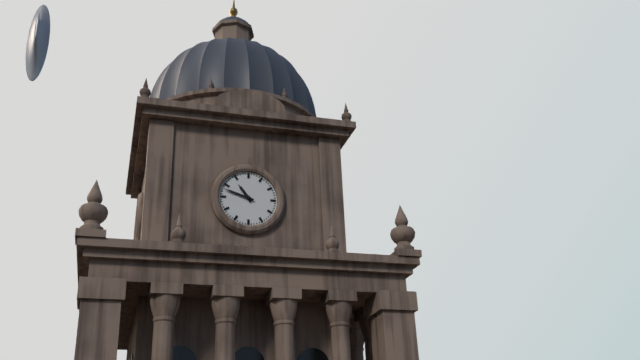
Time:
**10:48**
